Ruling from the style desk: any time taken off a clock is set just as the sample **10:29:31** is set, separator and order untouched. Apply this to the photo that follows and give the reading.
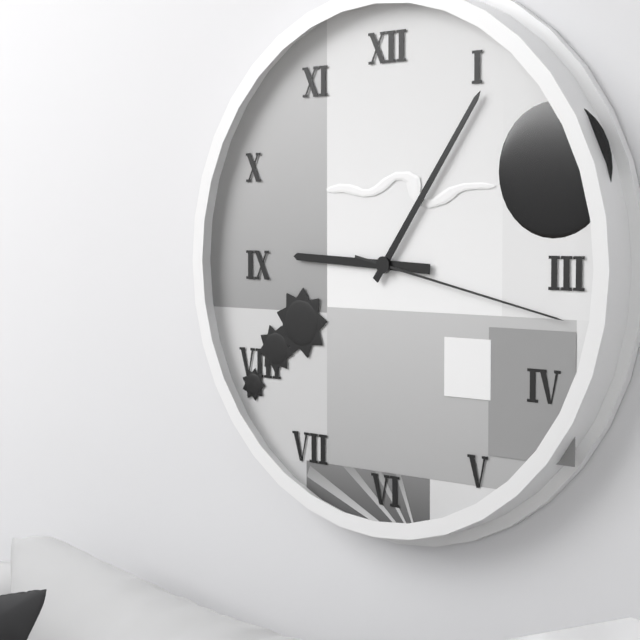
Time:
**9:06:17**
